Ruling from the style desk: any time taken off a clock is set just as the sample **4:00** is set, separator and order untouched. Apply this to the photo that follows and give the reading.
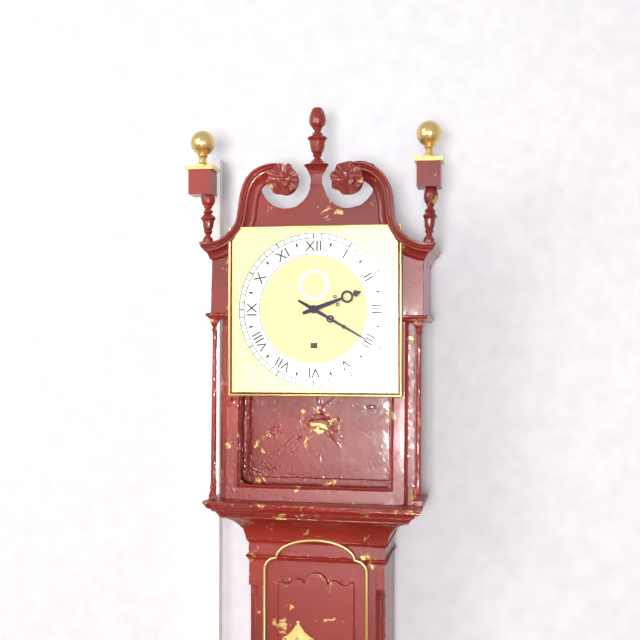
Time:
**2:20**
